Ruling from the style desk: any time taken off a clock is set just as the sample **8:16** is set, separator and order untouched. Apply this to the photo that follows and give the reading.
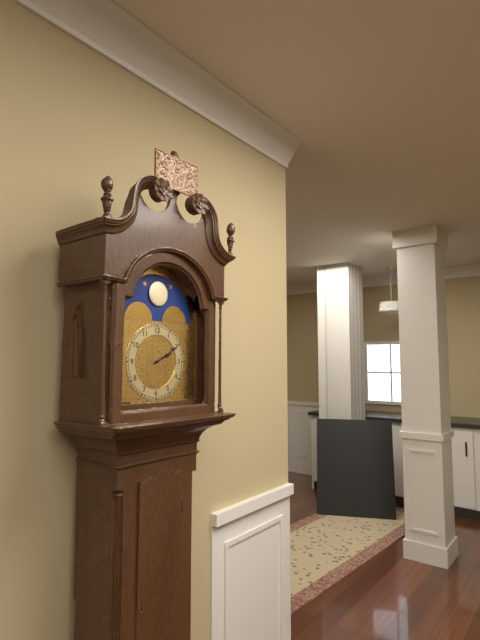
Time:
**2:10**
